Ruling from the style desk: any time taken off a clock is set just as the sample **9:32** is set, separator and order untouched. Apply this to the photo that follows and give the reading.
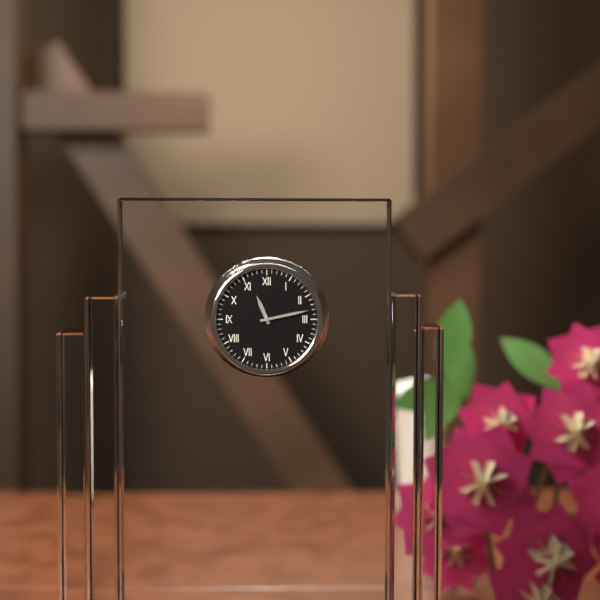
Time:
**11:13**
